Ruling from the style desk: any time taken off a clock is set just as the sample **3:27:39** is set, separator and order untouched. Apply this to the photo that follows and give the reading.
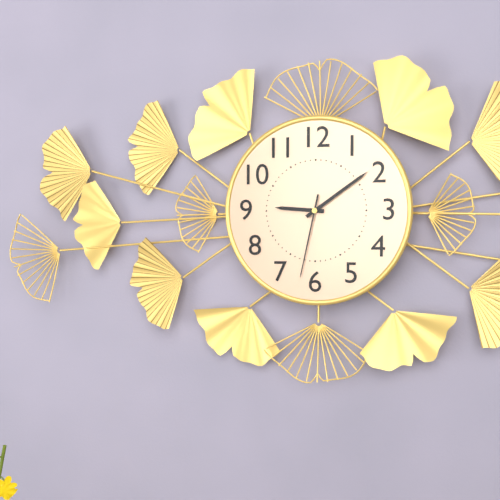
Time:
**9:09:32**
